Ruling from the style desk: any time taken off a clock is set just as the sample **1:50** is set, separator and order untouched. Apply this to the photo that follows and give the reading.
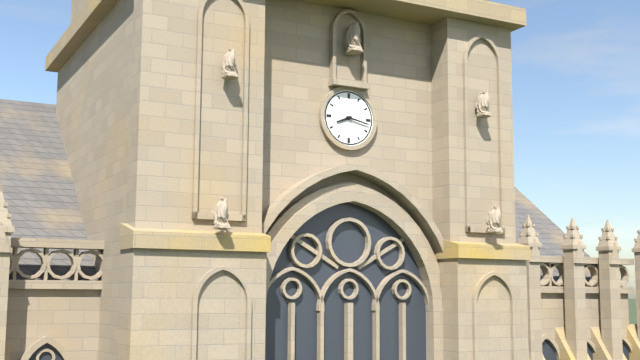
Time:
**8:17**
